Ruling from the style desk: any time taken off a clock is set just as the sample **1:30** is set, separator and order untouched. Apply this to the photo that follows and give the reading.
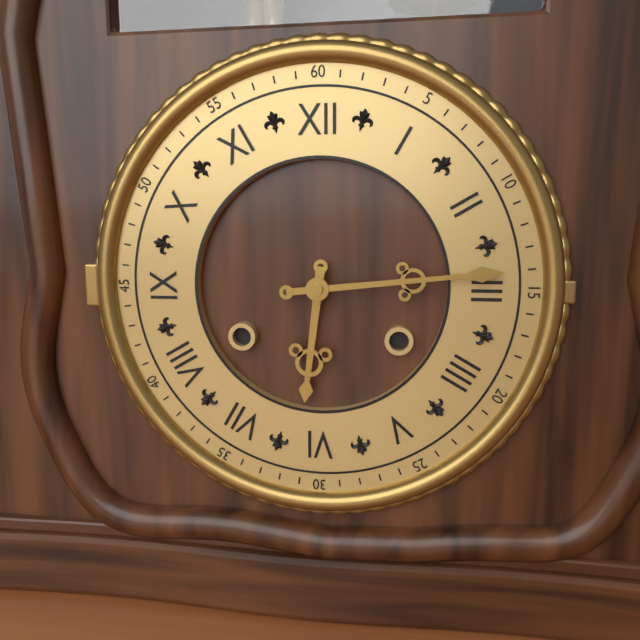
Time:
**6:14**
